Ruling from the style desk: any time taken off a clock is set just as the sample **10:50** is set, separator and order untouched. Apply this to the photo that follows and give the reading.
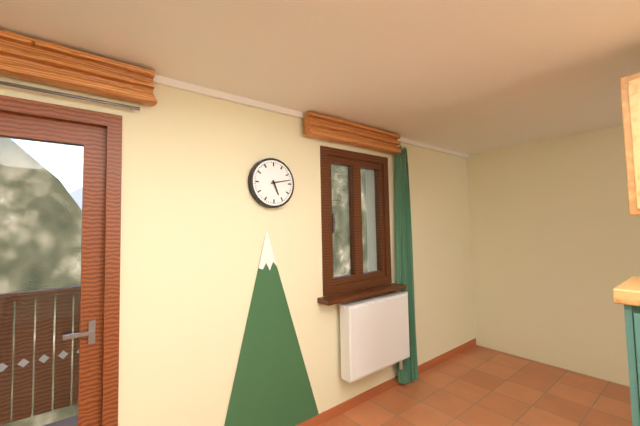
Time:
**5:13**
